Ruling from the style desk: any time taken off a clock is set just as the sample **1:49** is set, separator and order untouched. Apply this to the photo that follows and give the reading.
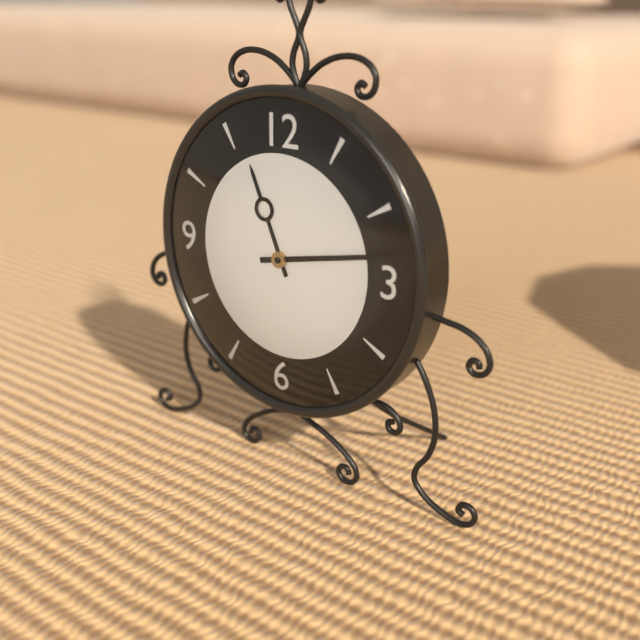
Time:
**11:13**
